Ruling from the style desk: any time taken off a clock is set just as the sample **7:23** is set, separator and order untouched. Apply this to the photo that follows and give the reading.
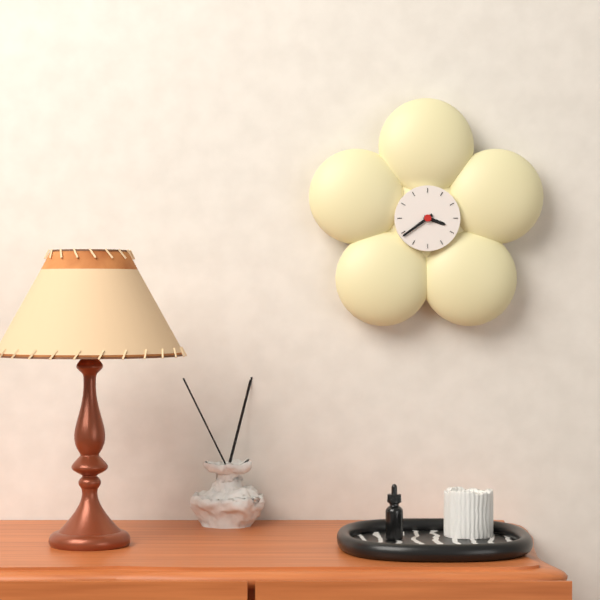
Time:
**3:39**
